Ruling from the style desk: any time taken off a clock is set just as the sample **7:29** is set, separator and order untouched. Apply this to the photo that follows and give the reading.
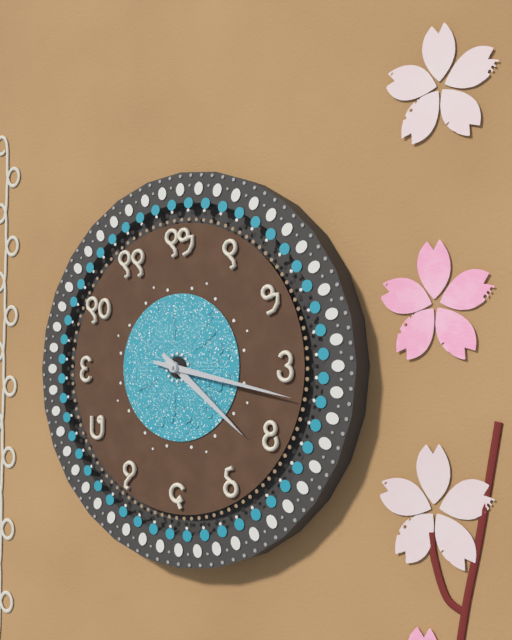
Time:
**4:17**
